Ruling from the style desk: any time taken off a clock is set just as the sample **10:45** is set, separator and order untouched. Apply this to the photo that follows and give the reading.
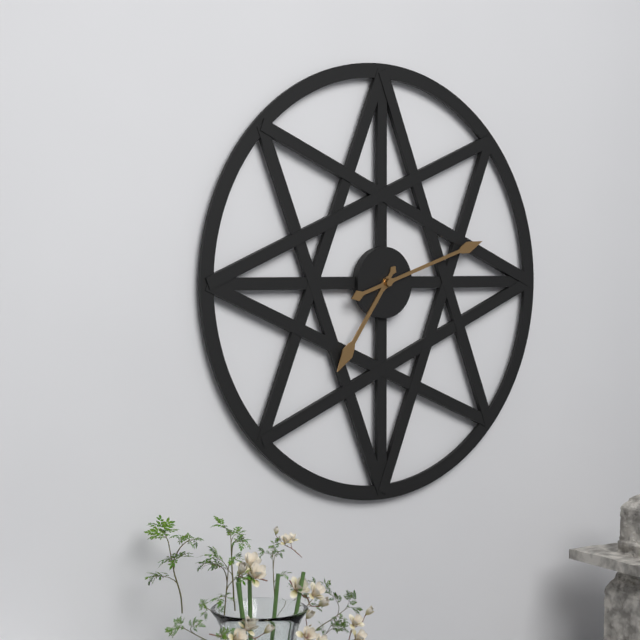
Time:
**7:12**
